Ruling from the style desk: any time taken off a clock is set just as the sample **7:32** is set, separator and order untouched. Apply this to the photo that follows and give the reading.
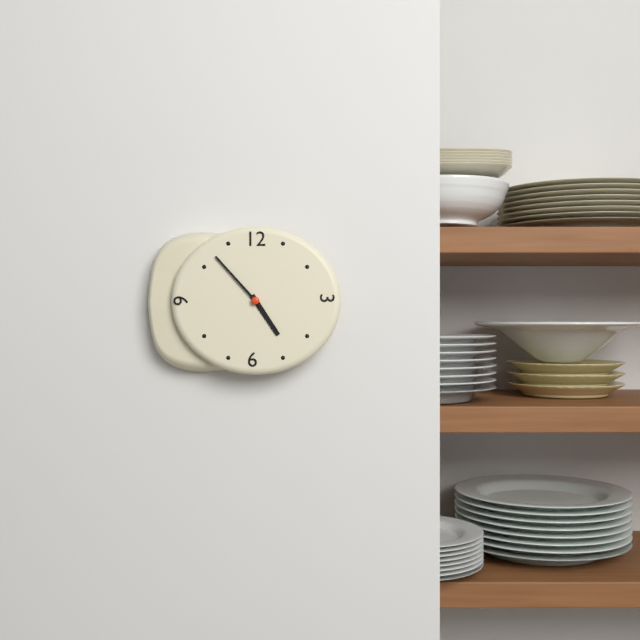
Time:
**4:53**
